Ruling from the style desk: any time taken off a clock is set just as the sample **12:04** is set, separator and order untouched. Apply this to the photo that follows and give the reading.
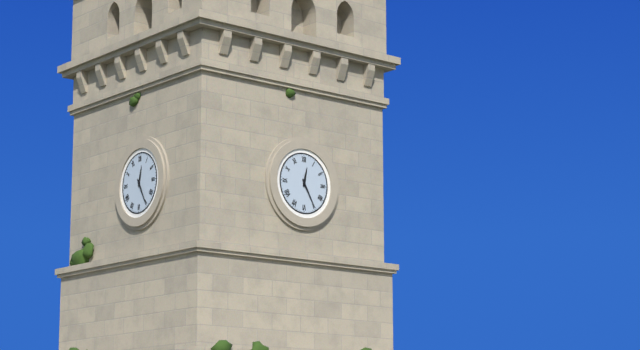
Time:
**12:25**
